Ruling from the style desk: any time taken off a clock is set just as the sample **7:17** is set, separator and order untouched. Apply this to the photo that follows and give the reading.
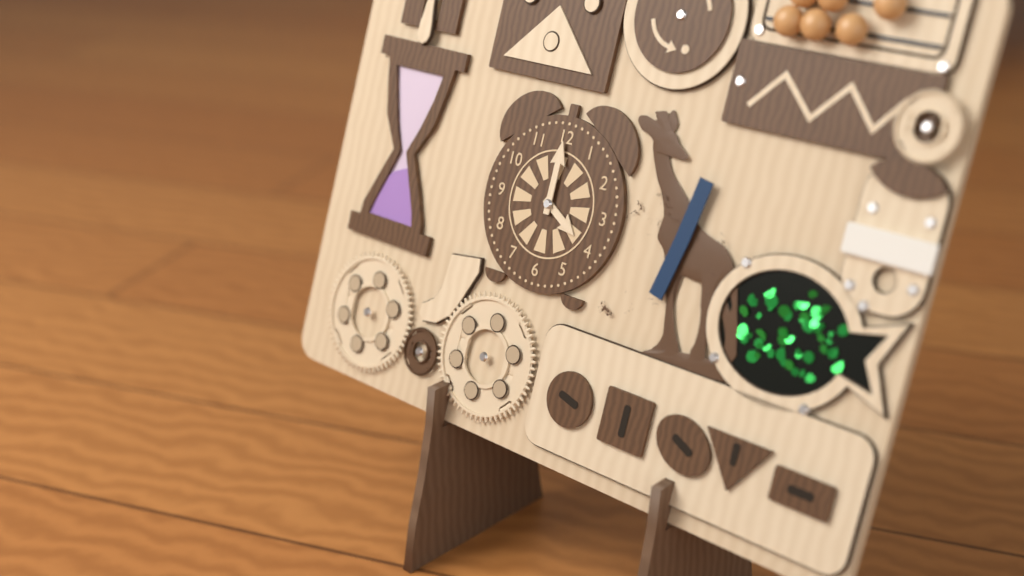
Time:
**4:00**
